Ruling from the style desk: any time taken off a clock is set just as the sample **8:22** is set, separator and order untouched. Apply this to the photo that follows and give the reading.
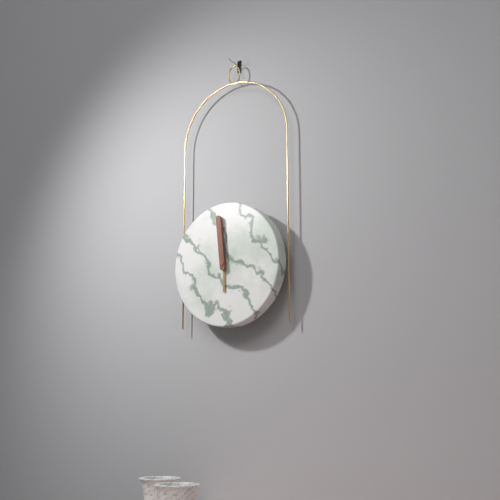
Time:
**5:59**
